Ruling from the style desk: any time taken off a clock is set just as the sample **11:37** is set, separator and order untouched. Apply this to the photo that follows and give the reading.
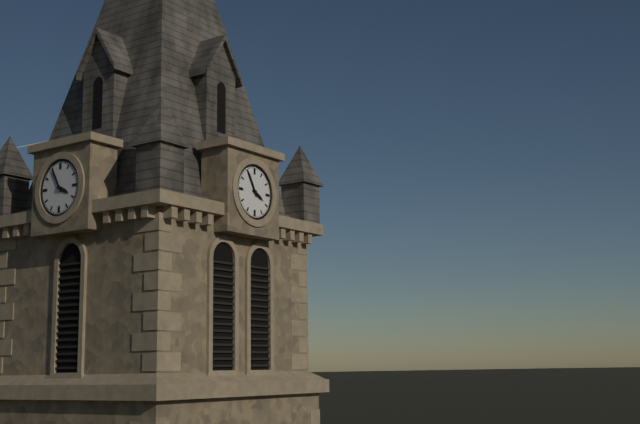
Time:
**3:55**
